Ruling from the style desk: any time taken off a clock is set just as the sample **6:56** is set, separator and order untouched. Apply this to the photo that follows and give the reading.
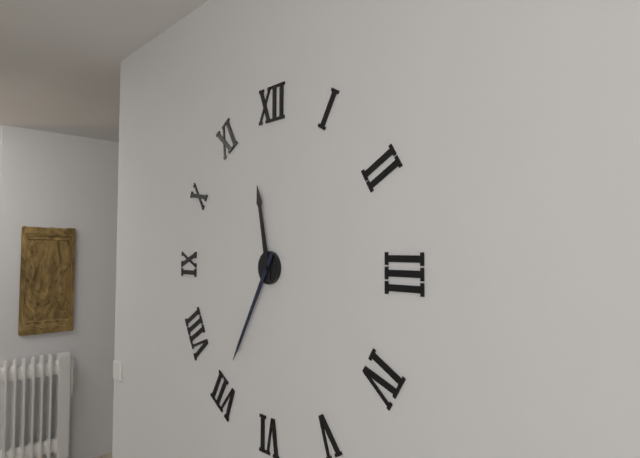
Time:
**11:35**
